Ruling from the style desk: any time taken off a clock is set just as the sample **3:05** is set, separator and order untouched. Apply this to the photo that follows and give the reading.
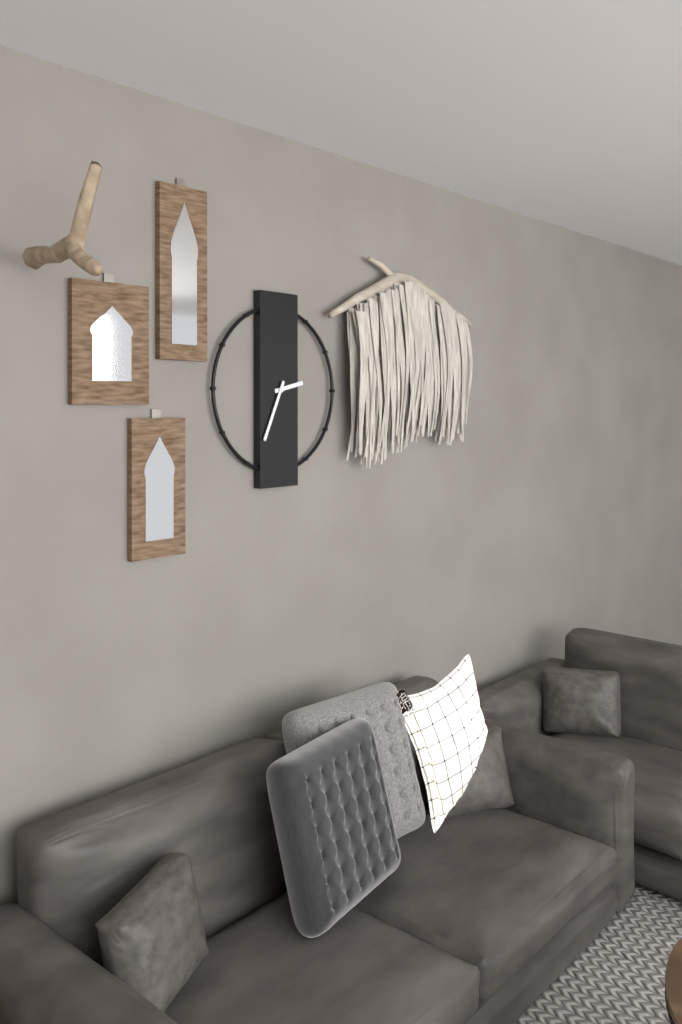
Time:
**2:34**
